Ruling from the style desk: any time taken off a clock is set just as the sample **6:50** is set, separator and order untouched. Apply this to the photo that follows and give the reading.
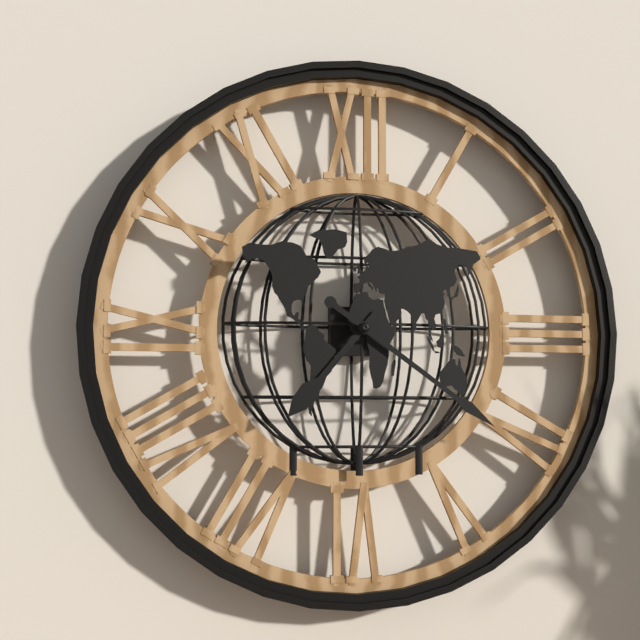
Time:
**7:21**
